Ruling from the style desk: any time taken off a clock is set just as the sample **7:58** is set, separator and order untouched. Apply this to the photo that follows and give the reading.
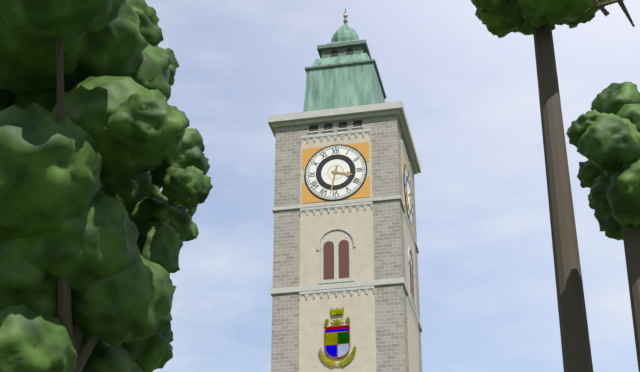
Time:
**3:32**
